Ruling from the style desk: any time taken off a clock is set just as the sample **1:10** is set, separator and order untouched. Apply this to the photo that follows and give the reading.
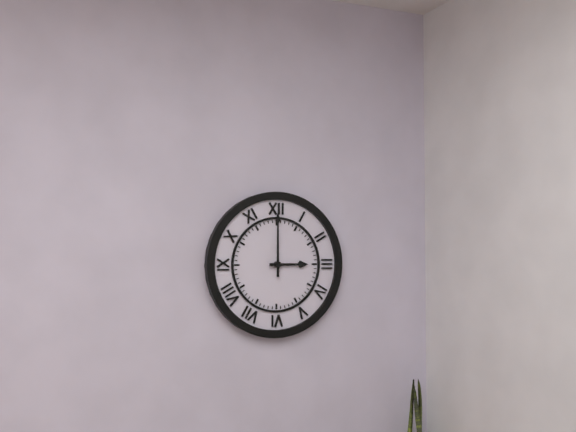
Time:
**3:00**
